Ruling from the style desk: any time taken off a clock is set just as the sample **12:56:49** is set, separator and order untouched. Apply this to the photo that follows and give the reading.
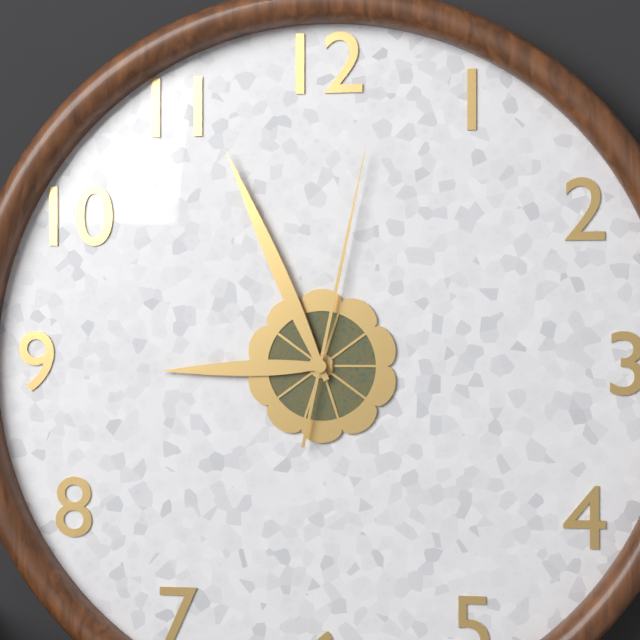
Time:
**8:56:02**
